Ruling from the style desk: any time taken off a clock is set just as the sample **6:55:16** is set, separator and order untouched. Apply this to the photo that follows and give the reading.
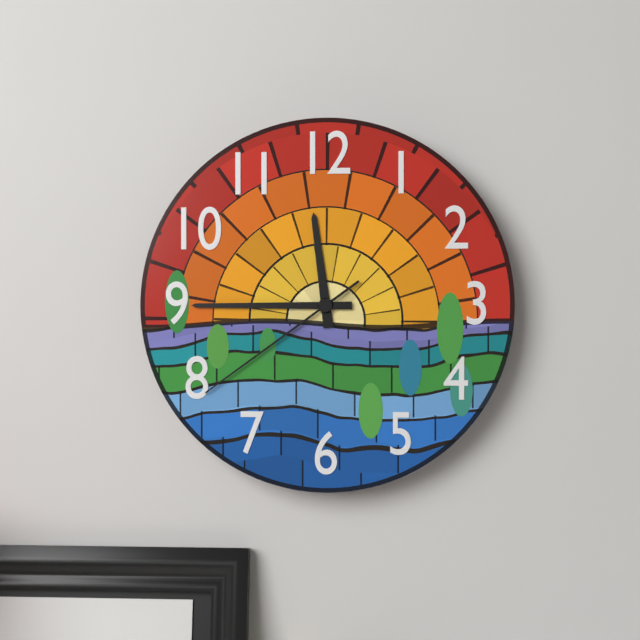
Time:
**11:45:39**
